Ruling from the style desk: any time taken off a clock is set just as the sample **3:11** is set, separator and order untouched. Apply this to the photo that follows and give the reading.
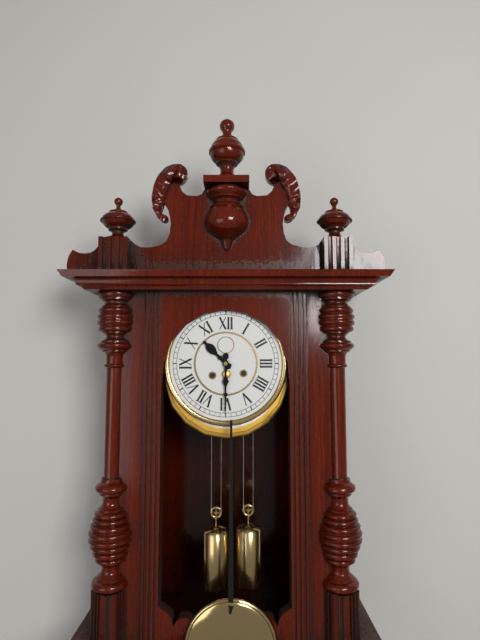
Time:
**10:30**
